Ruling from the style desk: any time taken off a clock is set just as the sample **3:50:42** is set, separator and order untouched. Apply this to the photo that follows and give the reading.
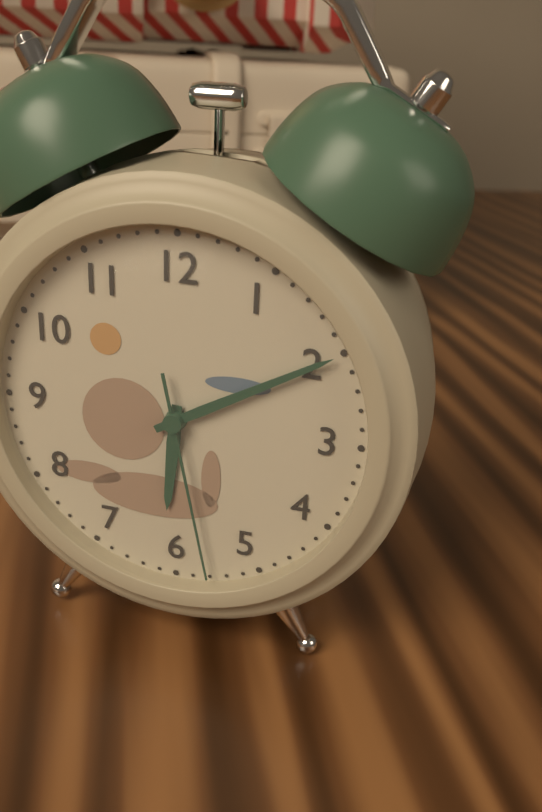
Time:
**6:10:28**
